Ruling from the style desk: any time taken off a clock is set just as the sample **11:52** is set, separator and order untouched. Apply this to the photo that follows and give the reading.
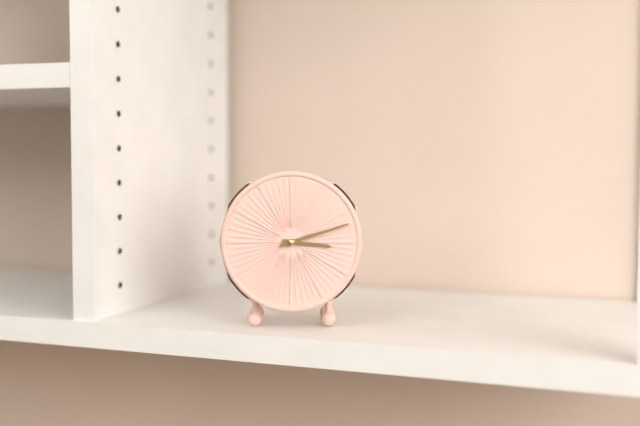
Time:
**3:12**
